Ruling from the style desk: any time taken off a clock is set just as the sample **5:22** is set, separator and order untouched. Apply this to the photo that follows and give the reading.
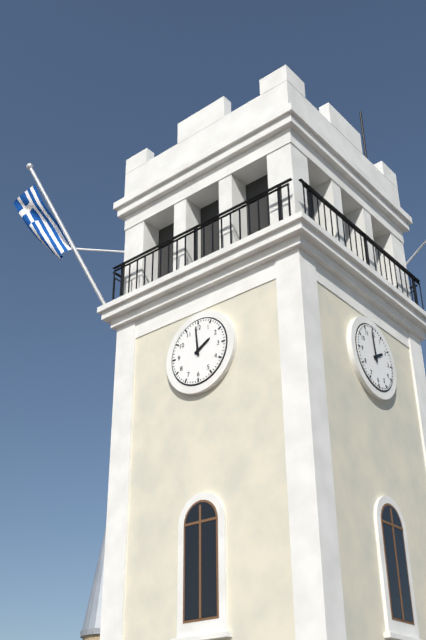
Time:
**1:59**
